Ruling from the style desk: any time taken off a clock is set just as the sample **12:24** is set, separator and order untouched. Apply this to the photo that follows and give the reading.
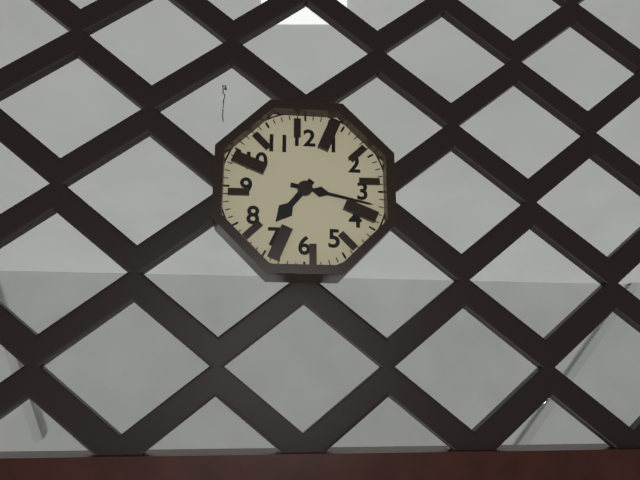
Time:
**7:17**
